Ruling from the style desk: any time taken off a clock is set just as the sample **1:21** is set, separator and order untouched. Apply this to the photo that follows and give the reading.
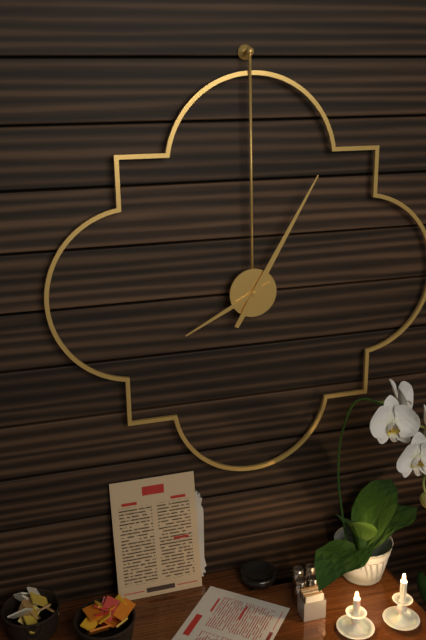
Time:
**8:05**
